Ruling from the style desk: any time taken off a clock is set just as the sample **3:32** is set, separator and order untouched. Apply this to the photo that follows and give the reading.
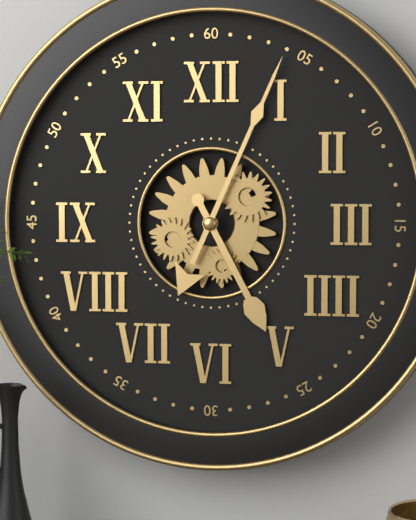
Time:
**5:04**
